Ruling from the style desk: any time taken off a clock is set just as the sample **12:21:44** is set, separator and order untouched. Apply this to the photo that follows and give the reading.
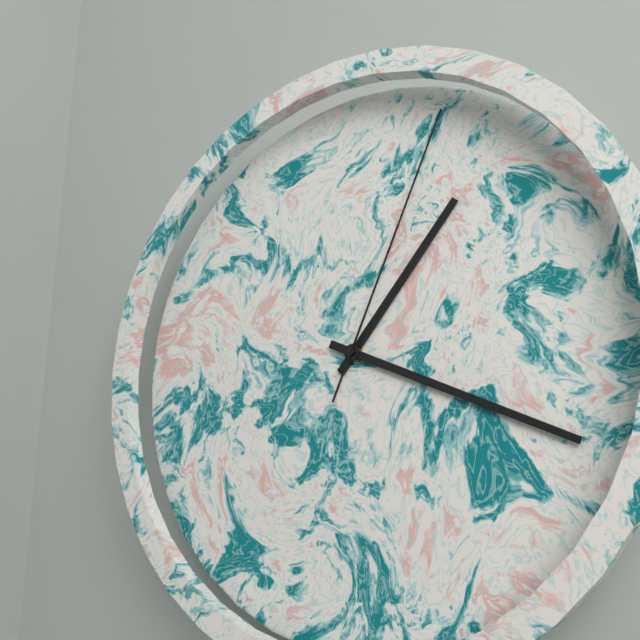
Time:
**1:19:04**
